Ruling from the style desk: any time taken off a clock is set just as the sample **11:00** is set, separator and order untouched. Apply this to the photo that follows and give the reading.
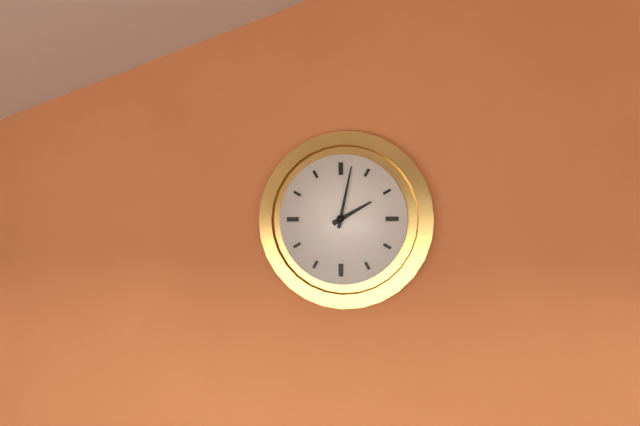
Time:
**2:02**
